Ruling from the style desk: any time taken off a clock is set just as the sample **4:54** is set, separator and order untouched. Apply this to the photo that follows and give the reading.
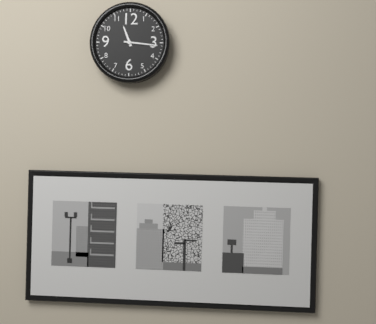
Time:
**11:16**
